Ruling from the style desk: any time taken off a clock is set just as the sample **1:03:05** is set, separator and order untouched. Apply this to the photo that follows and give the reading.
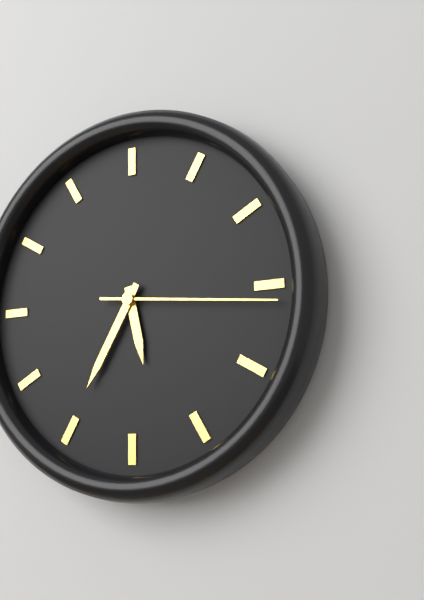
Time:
**5:35:16**
